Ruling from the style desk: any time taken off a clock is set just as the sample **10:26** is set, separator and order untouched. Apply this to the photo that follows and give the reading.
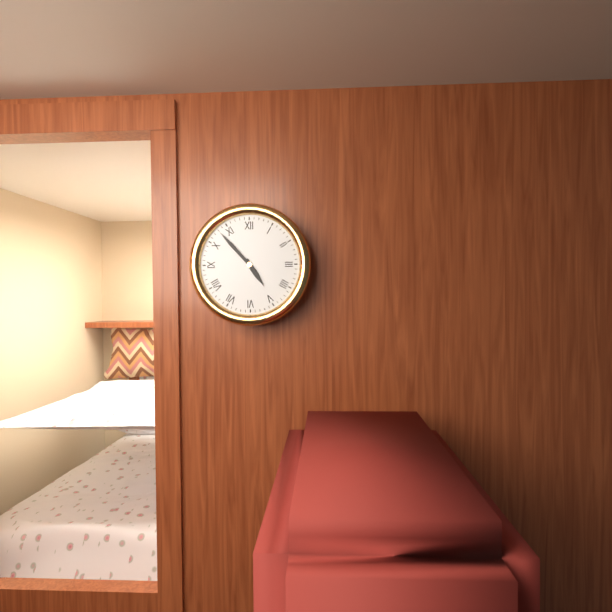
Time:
**4:53**
